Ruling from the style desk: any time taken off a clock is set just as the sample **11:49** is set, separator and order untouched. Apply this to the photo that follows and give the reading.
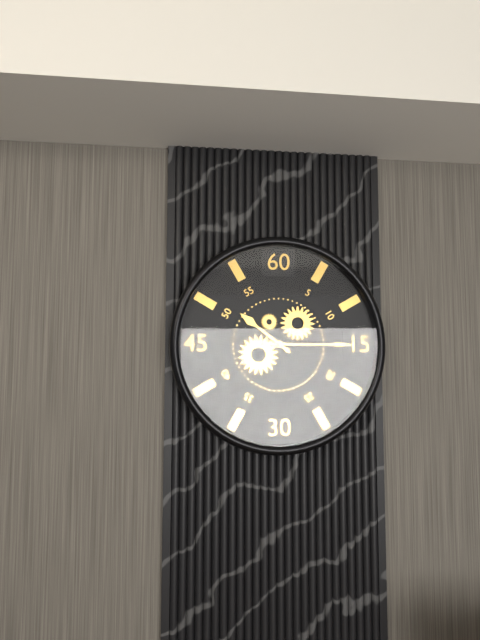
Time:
**10:15**
